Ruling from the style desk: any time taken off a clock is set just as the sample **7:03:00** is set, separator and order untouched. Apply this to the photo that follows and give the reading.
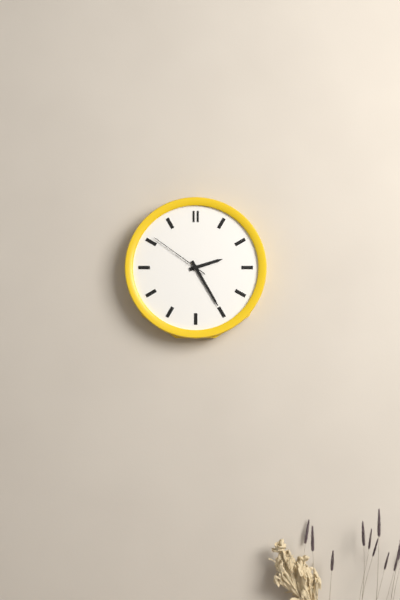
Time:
**2:25:51**
